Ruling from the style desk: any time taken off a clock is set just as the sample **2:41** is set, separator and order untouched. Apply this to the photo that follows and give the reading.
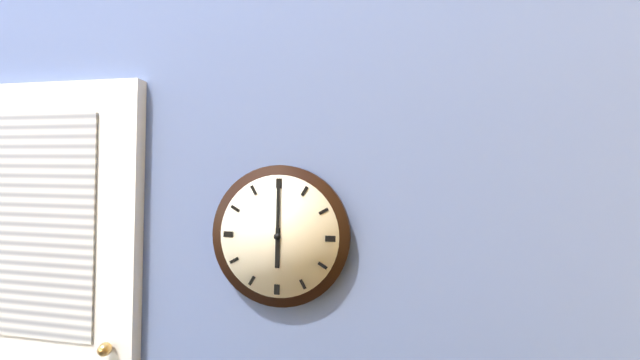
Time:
**6:00**
